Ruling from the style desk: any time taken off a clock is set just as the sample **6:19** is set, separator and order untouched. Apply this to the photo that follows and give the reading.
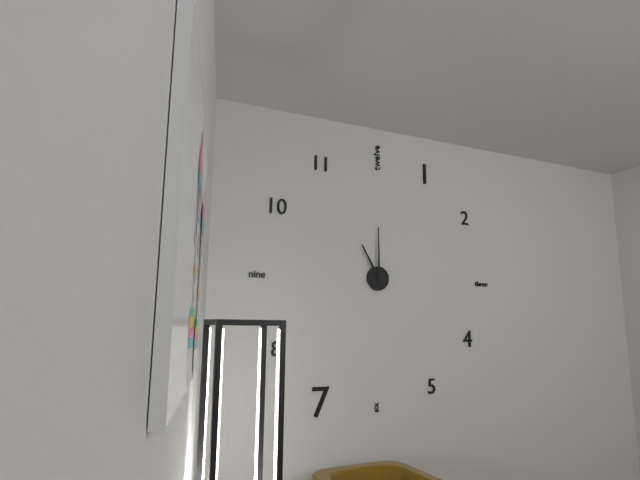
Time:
**11:00**
